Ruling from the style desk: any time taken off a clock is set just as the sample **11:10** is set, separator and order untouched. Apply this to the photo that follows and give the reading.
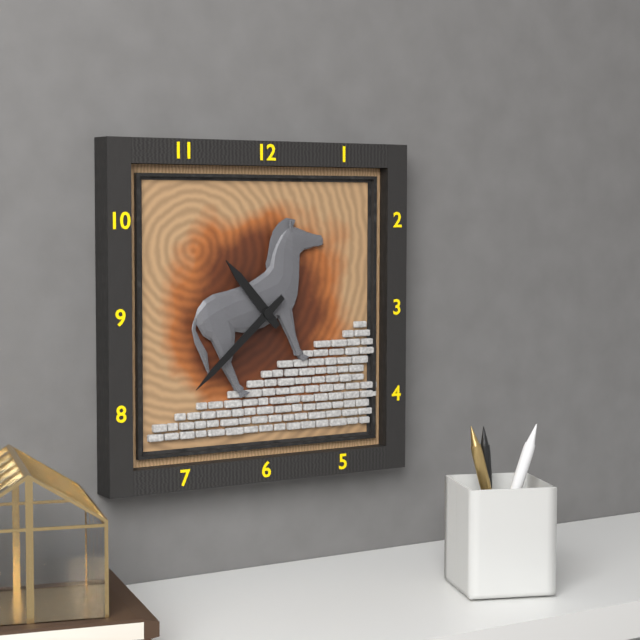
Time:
**10:38**
